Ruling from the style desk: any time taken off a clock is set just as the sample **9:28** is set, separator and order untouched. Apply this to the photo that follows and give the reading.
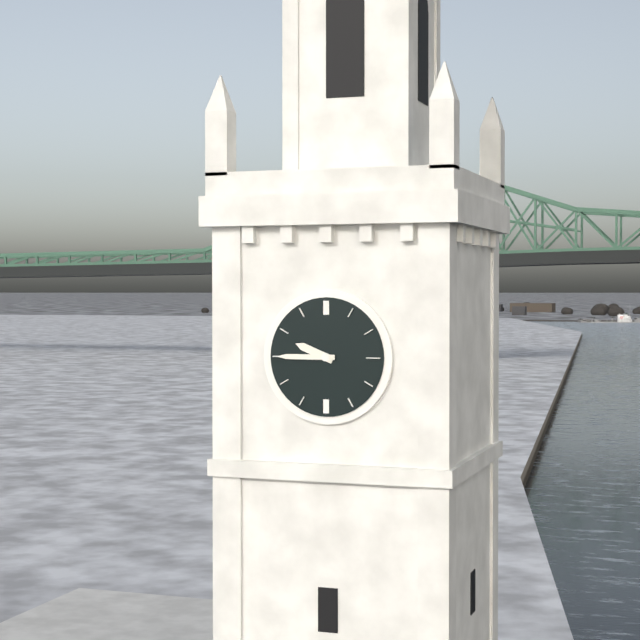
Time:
**9:45**
